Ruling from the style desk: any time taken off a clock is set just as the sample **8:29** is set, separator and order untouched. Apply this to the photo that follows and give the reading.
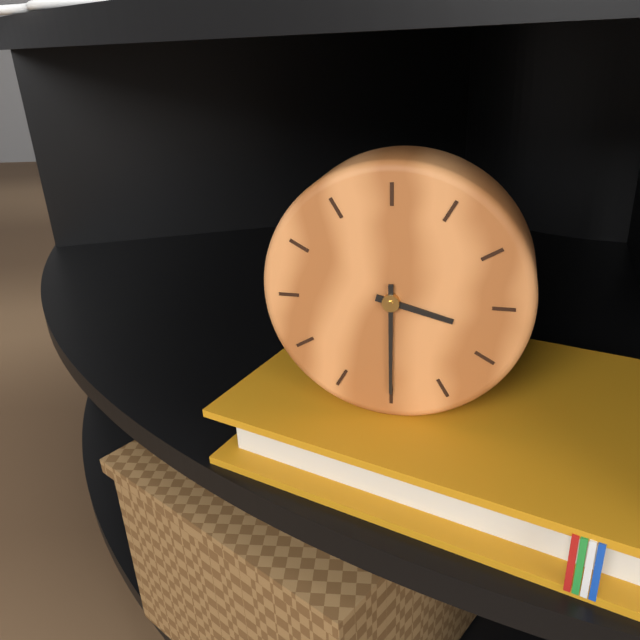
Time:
**3:30**
